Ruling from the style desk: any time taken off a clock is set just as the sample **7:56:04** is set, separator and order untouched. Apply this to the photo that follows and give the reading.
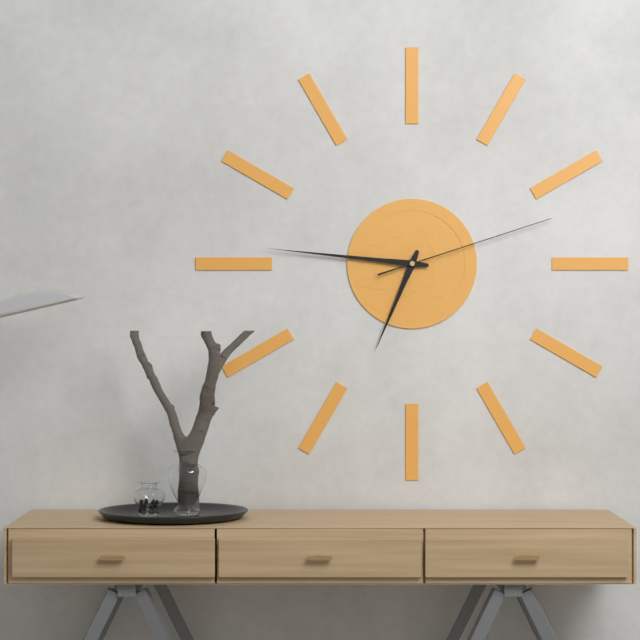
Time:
**6:46:12**
